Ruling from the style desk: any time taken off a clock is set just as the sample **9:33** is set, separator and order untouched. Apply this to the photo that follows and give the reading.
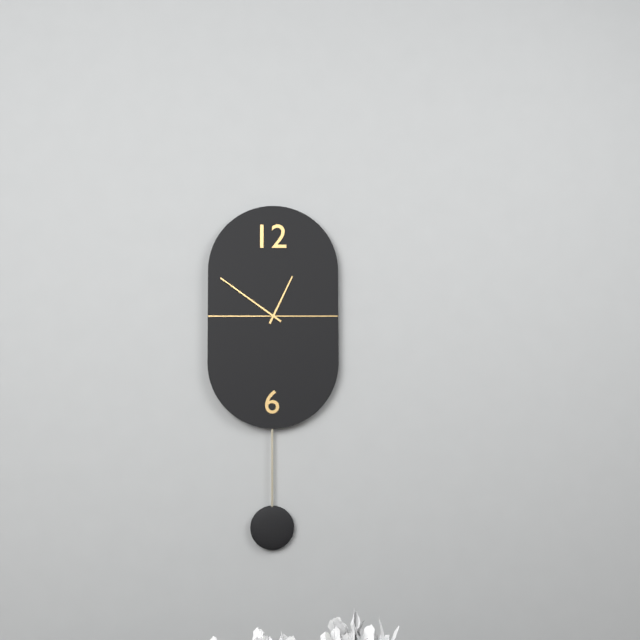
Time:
**12:51**
